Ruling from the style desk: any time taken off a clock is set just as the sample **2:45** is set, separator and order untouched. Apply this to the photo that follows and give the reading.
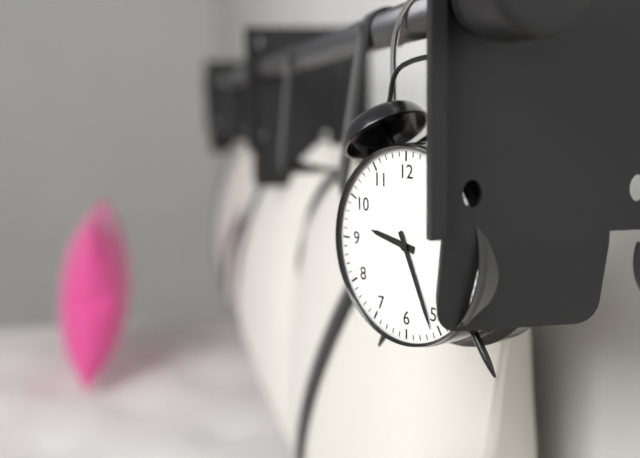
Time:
**9:26**
